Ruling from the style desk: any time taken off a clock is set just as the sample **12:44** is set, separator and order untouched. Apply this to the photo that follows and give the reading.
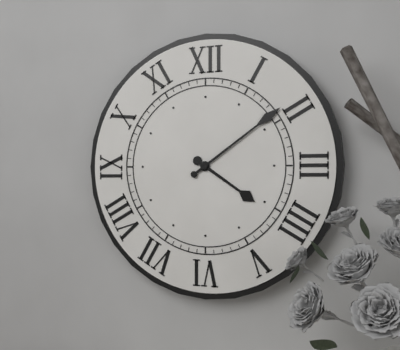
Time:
**4:09**
